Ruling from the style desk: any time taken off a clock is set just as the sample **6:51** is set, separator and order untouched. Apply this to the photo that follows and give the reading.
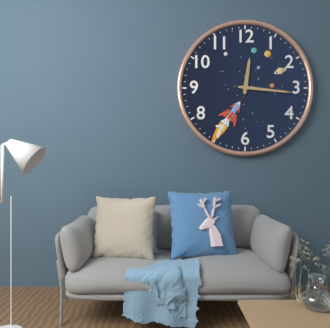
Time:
**12:16**
